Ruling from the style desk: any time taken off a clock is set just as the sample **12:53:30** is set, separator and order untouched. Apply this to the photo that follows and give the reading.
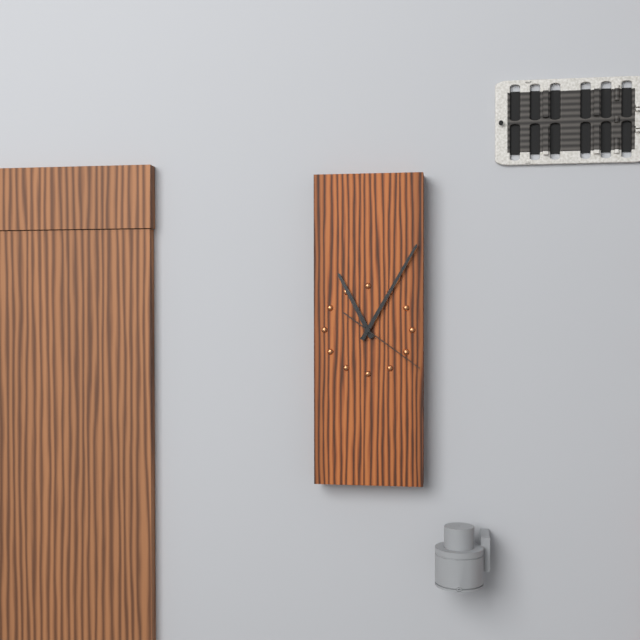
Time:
**11:05:21**
